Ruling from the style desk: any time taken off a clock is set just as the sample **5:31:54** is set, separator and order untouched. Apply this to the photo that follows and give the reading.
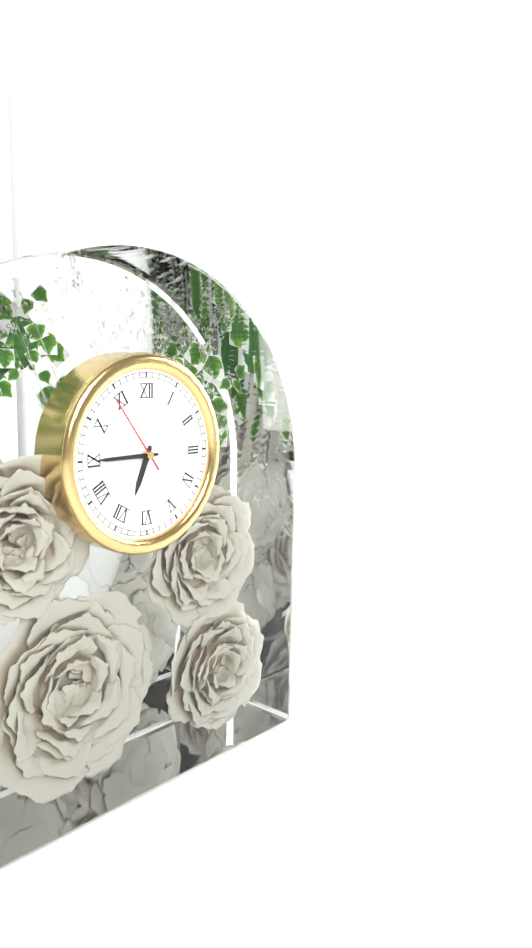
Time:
**6:45:54**
